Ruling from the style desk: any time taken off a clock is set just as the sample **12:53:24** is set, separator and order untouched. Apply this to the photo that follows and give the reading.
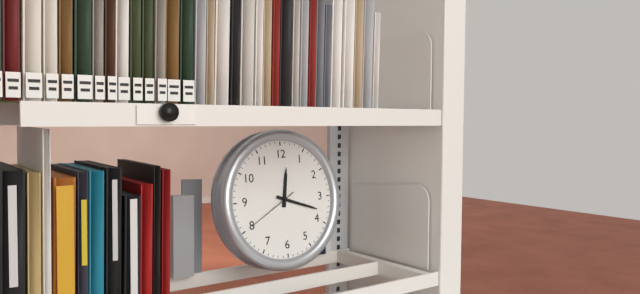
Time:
**12:18:40**
